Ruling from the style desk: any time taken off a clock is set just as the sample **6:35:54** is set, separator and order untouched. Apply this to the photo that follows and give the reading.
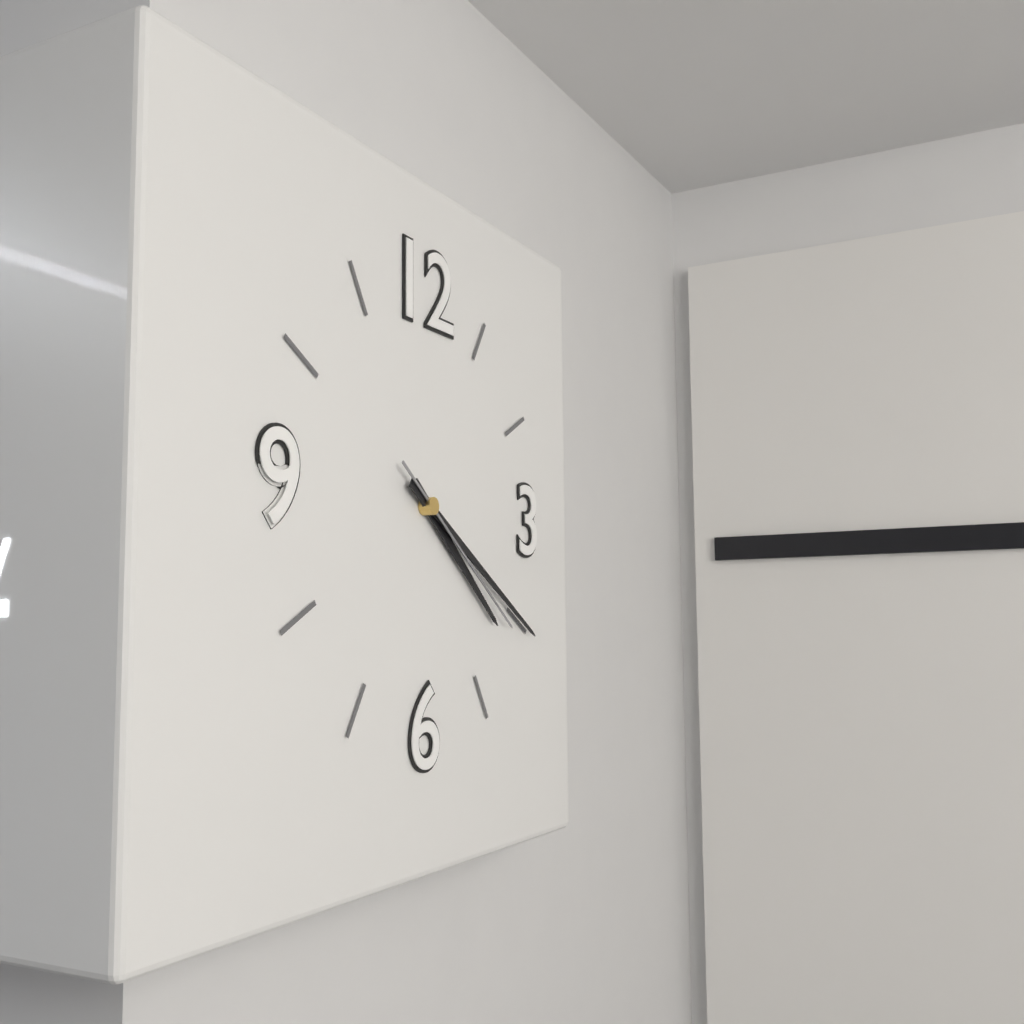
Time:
**4:20:21**
